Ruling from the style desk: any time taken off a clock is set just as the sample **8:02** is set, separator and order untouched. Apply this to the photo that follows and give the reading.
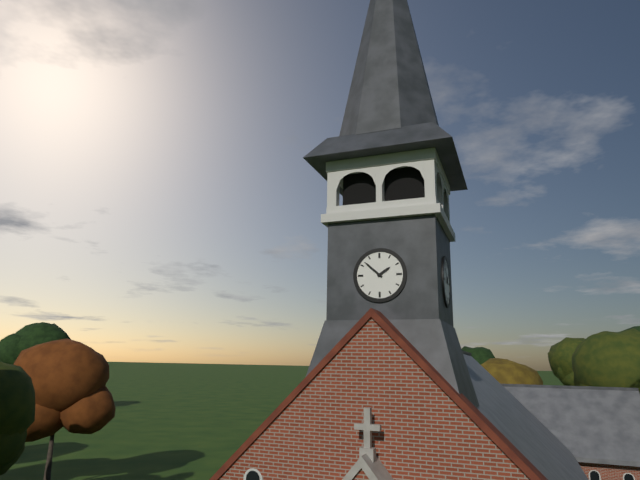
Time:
**1:52**
